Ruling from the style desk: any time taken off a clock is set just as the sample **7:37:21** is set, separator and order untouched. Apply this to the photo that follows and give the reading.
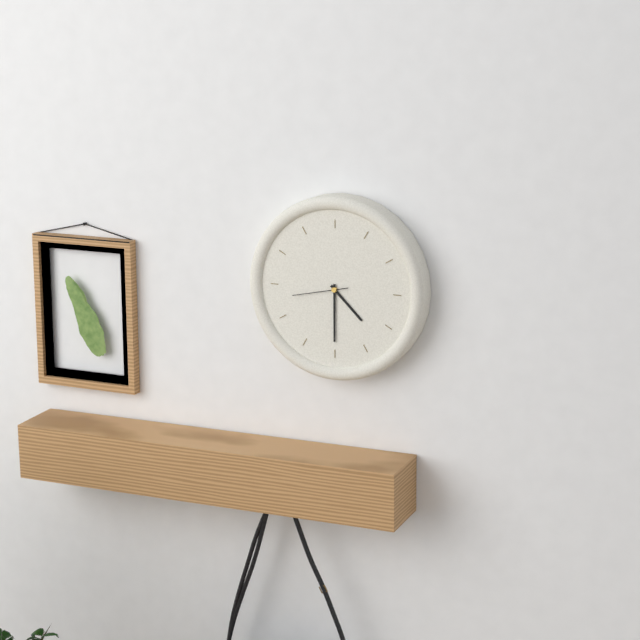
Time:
**4:30:43**
